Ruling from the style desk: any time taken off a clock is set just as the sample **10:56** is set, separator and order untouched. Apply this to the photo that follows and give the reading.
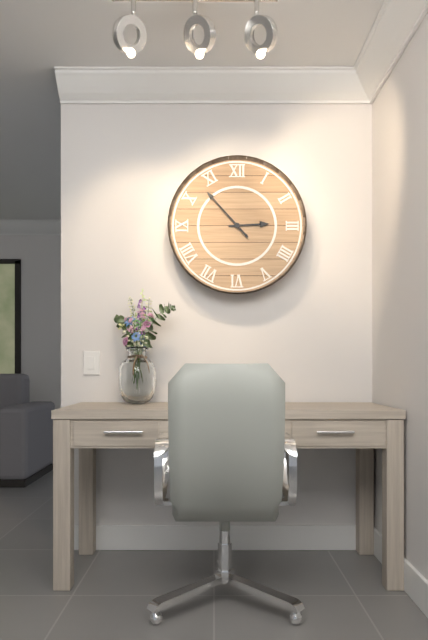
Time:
**2:53**
